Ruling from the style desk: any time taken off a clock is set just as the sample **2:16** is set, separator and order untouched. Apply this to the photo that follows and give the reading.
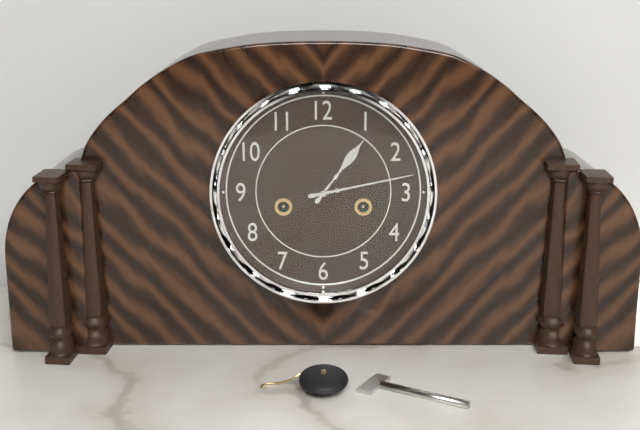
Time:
**1:13**
